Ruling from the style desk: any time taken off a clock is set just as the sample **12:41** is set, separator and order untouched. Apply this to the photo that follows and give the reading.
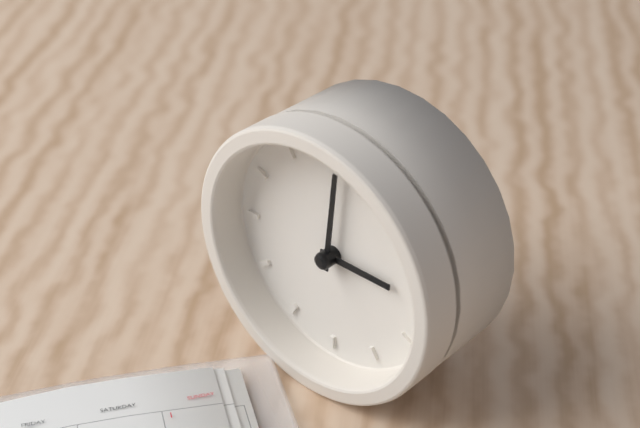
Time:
**3:01**
